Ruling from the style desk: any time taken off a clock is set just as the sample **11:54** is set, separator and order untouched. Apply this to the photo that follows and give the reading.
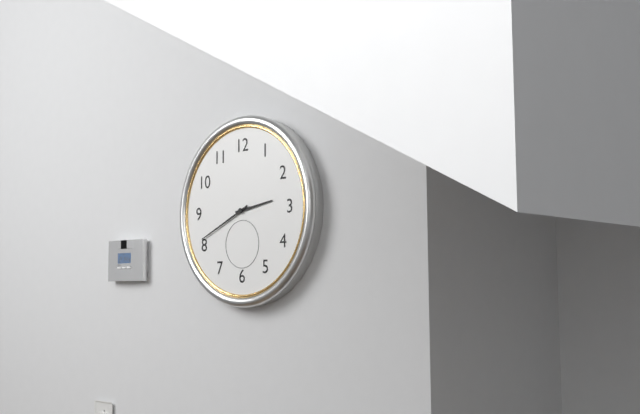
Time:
**2:41**
